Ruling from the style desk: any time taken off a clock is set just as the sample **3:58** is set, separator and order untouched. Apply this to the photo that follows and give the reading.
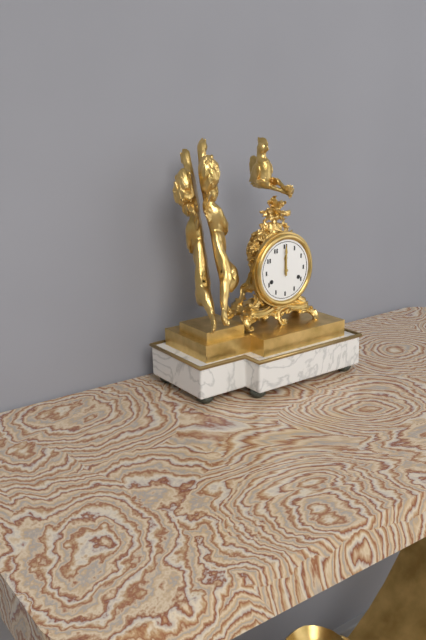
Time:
**12:00**
